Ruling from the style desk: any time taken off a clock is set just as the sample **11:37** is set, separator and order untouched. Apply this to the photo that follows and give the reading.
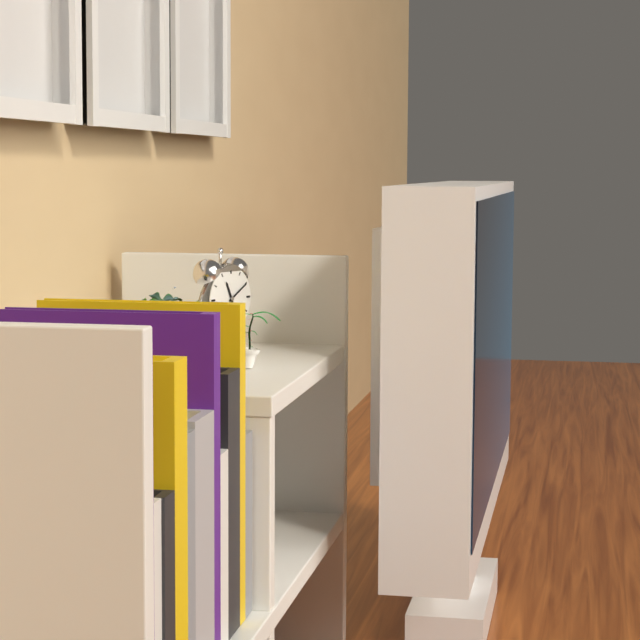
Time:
**11:10**
